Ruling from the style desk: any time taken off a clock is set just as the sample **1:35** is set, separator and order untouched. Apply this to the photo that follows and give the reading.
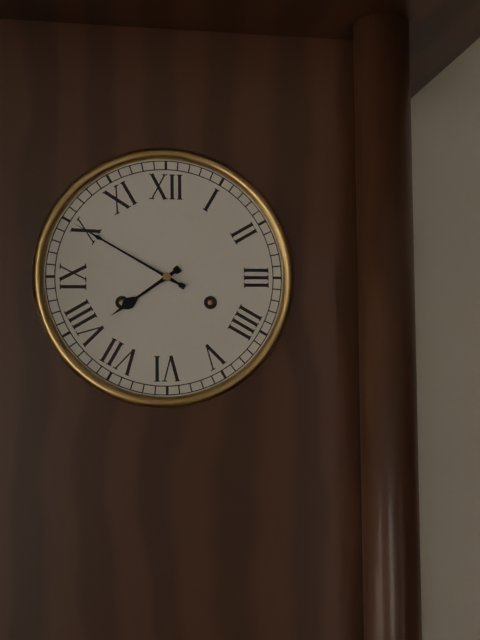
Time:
**7:50**
